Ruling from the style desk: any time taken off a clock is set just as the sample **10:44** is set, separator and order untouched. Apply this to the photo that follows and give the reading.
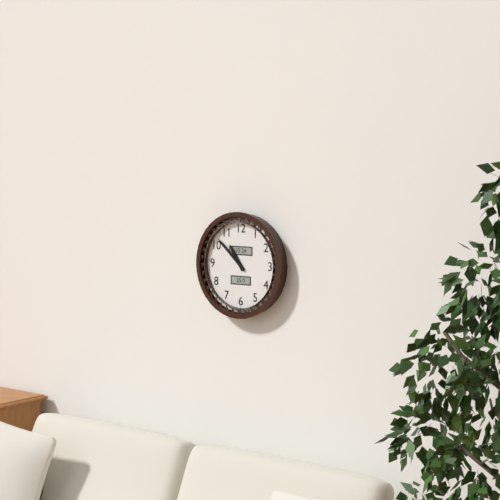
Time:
**10:52**
